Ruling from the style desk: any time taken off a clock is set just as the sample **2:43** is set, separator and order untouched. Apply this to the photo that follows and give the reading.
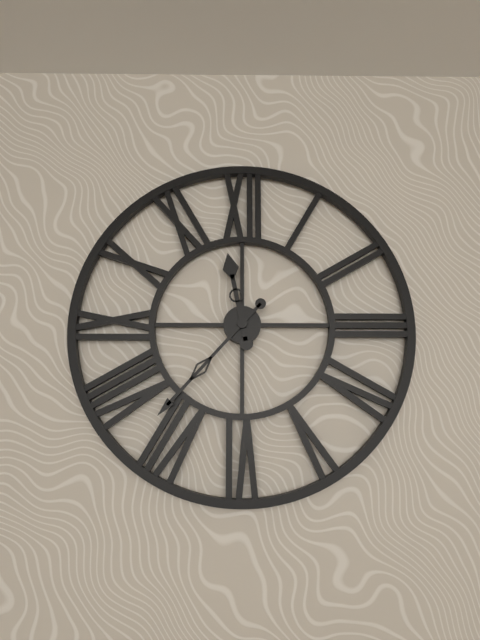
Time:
**11:37**
